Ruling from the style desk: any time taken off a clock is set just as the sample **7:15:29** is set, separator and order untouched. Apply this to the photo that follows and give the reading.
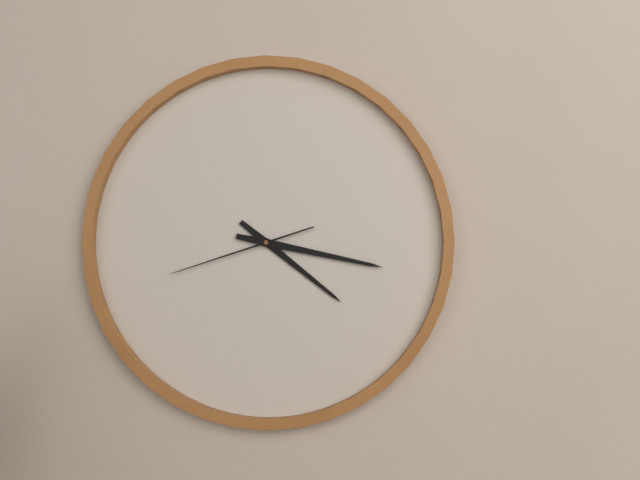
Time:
**4:17:42**
